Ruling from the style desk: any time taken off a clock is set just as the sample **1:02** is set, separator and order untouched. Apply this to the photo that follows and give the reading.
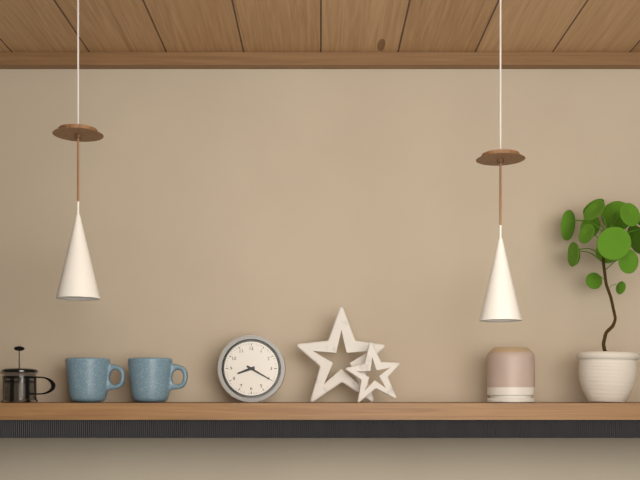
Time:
**8:20**
